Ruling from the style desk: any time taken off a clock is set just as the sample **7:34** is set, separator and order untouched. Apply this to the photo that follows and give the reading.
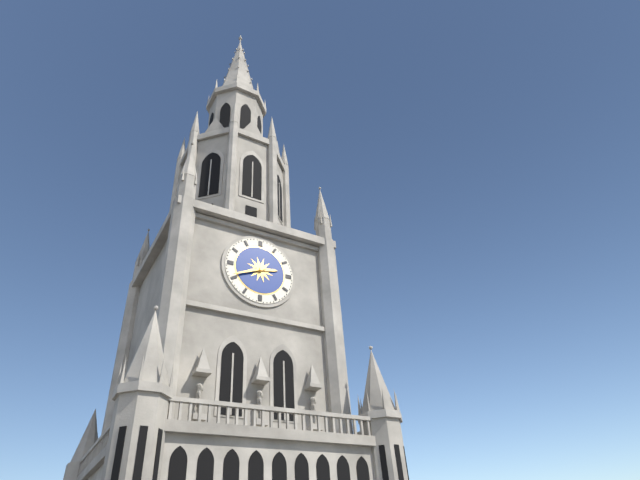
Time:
**2:41**
